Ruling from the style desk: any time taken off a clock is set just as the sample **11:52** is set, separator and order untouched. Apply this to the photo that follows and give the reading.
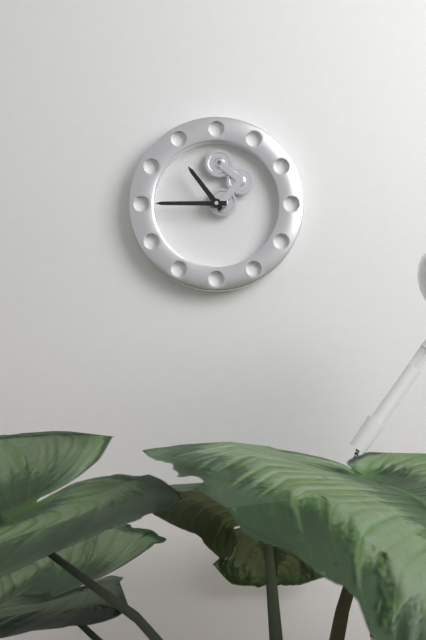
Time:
**10:45**
